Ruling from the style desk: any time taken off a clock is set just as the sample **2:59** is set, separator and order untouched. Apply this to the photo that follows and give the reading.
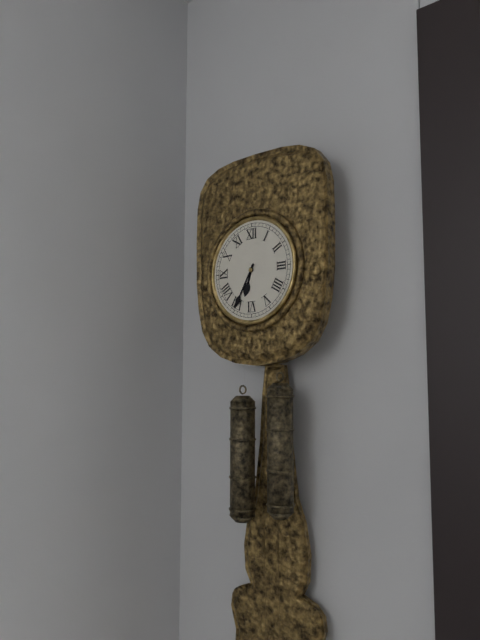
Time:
**6:35**
